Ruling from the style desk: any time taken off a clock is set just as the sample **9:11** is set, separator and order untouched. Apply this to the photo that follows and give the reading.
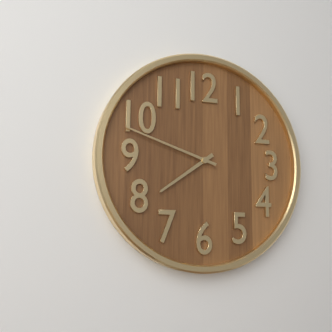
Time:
**7:48**
